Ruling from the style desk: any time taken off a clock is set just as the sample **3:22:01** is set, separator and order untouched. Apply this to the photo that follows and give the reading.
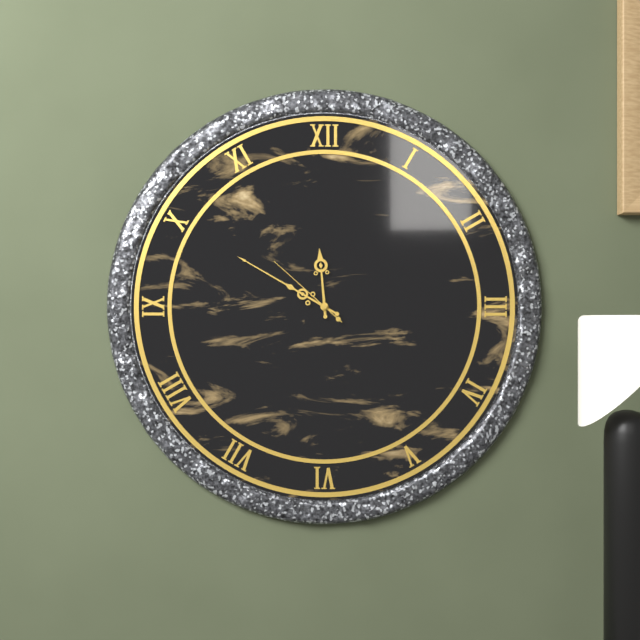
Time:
**11:50:52**
